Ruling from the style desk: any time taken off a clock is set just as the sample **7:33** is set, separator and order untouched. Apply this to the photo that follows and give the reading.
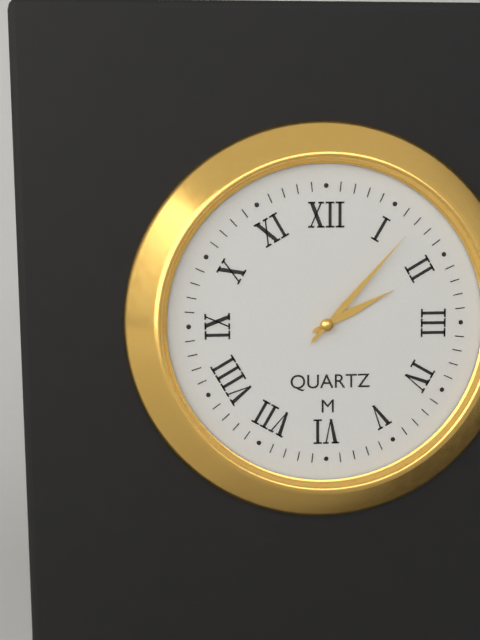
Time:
**2:07**
